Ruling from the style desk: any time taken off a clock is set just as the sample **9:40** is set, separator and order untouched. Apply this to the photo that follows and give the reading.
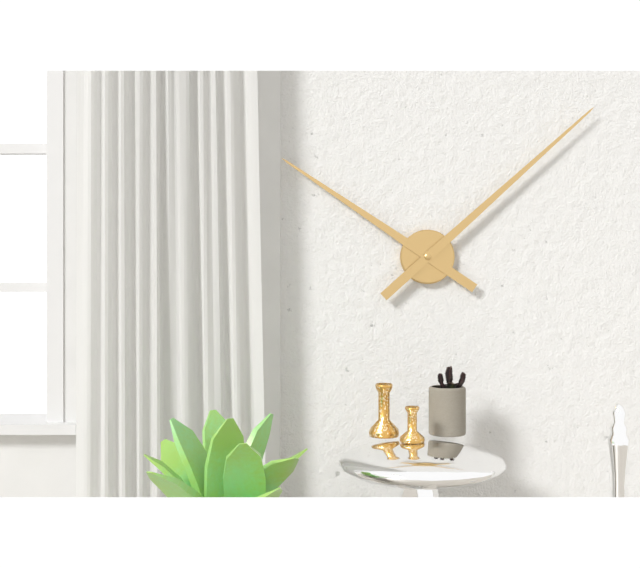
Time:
**10:08**
